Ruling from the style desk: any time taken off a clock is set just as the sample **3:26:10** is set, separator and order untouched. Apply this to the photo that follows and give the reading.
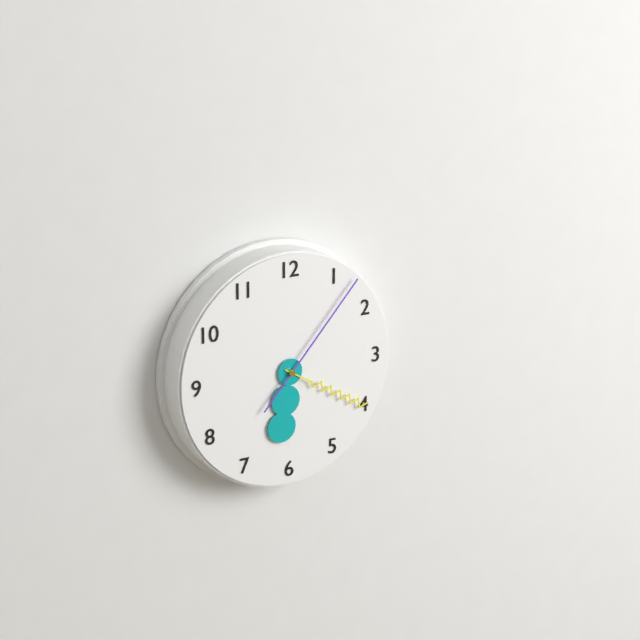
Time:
**6:20:07**
